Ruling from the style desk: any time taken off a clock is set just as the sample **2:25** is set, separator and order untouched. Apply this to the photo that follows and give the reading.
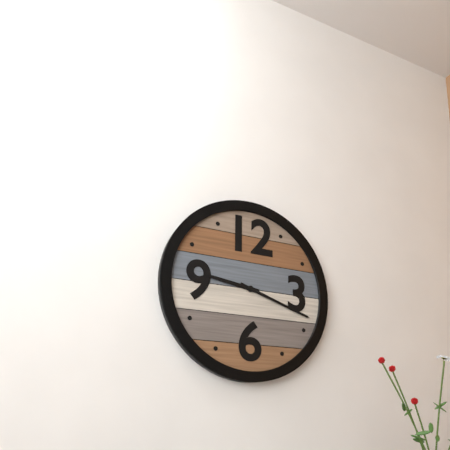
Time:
**9:18**
